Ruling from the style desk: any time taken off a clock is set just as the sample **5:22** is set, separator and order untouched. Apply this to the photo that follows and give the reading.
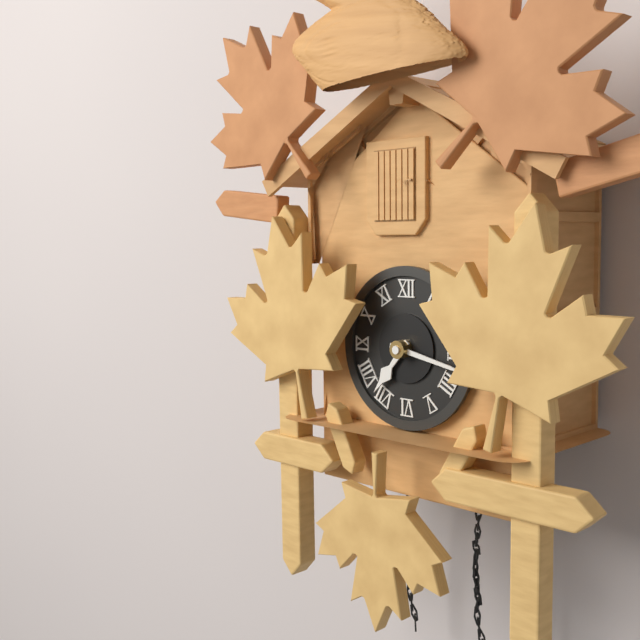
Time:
**7:17**
